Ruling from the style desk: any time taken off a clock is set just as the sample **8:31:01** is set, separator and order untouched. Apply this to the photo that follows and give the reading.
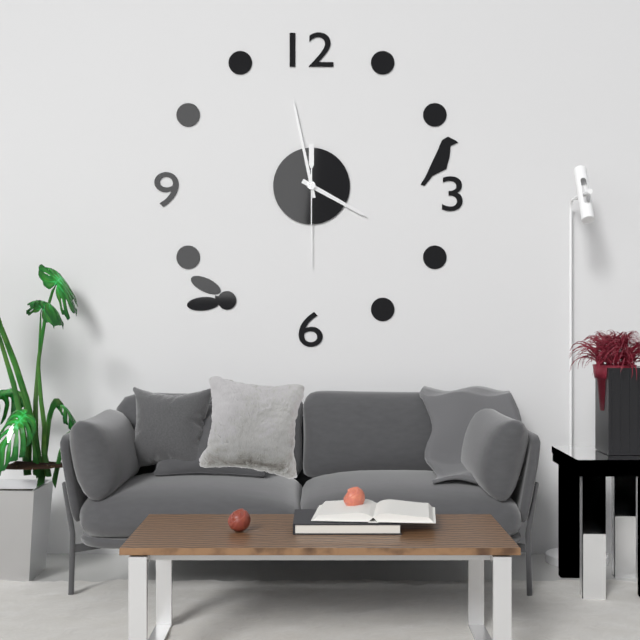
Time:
**3:58:30**
